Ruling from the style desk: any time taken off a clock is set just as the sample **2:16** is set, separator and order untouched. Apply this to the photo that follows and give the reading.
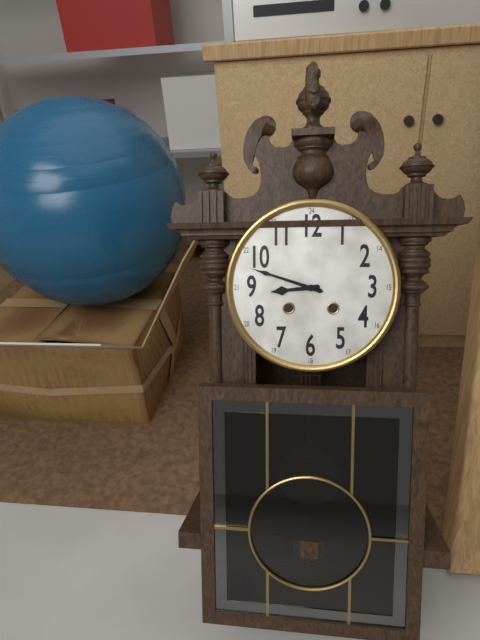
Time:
**8:48**
